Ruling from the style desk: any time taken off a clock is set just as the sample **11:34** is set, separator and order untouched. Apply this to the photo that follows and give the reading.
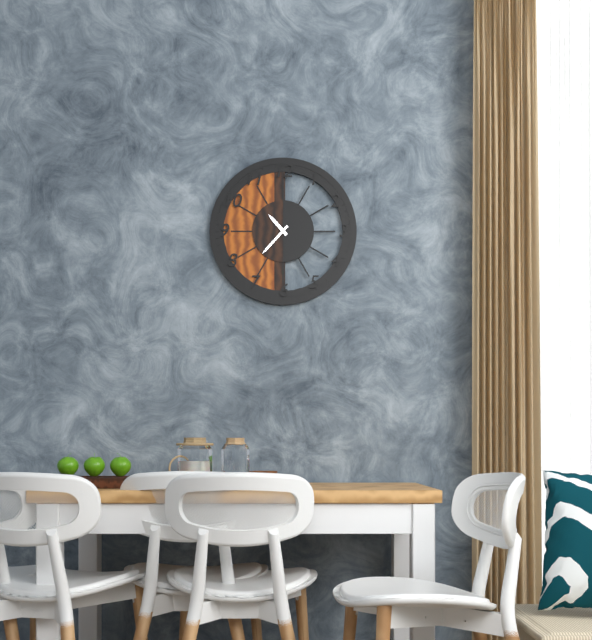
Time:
**10:37**
